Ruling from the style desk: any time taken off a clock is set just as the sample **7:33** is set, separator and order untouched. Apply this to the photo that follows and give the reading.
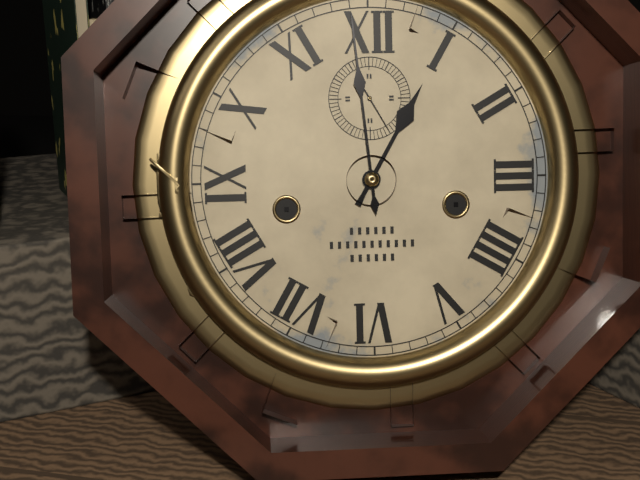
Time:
**12:59**
